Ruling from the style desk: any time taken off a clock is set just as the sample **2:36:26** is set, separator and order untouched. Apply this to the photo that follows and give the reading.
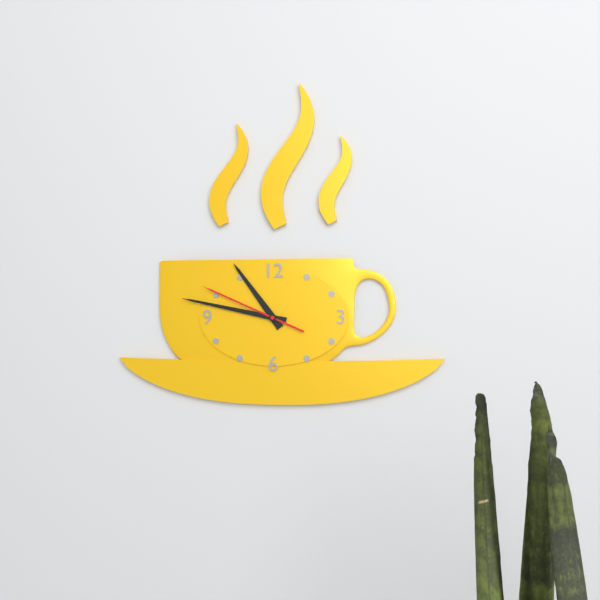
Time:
**10:47:49**
